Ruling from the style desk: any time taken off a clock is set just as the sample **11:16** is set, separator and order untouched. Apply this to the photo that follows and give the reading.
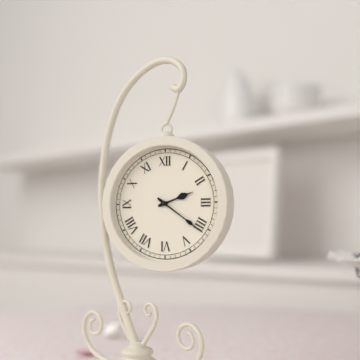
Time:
**2:21**
